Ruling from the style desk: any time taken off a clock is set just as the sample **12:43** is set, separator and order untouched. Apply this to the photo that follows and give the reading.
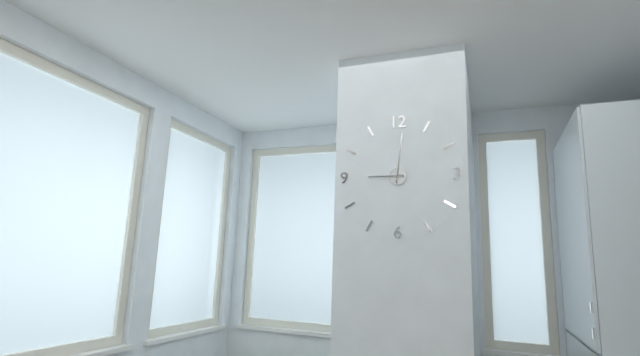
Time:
**9:01**
